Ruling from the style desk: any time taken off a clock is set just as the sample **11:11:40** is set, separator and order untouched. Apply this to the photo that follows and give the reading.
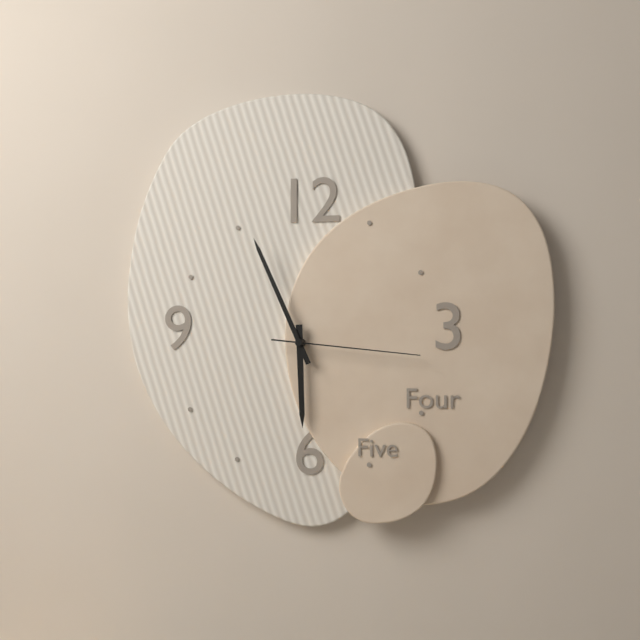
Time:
**5:56:16**
